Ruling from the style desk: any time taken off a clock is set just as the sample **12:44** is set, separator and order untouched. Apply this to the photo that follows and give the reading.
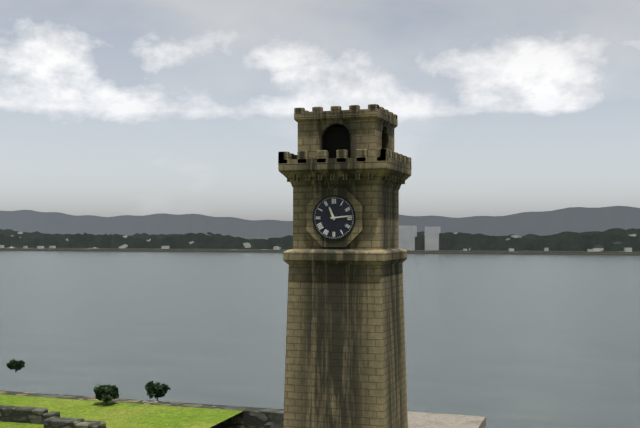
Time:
**11:14**
